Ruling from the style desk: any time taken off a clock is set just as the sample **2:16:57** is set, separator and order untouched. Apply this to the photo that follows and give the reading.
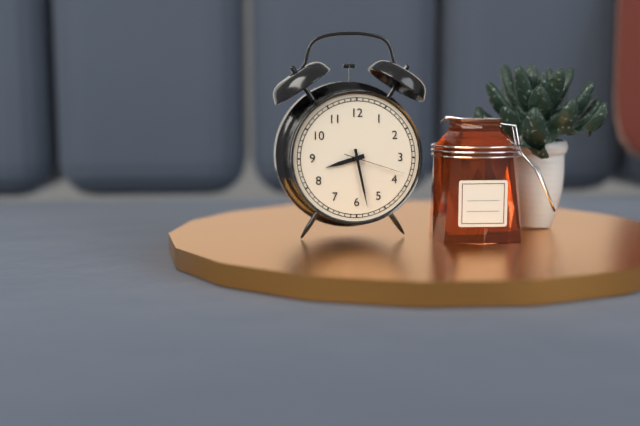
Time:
**8:28:18**
